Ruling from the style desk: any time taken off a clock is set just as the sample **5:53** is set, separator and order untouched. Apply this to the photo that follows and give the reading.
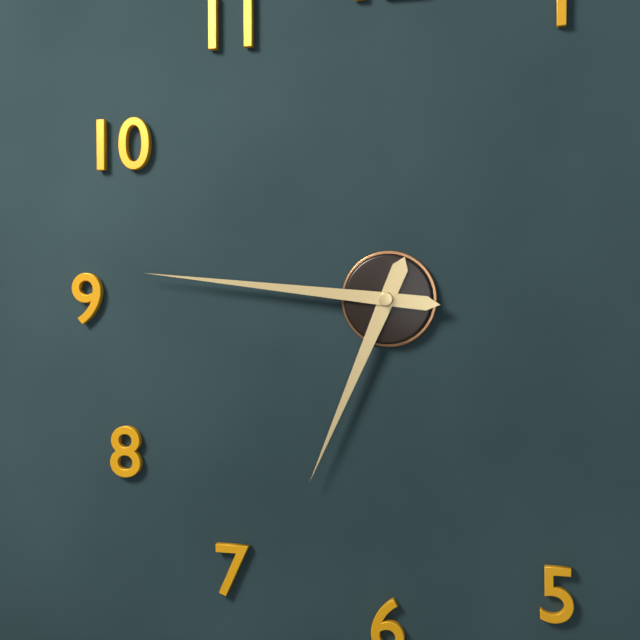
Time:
**6:46**
